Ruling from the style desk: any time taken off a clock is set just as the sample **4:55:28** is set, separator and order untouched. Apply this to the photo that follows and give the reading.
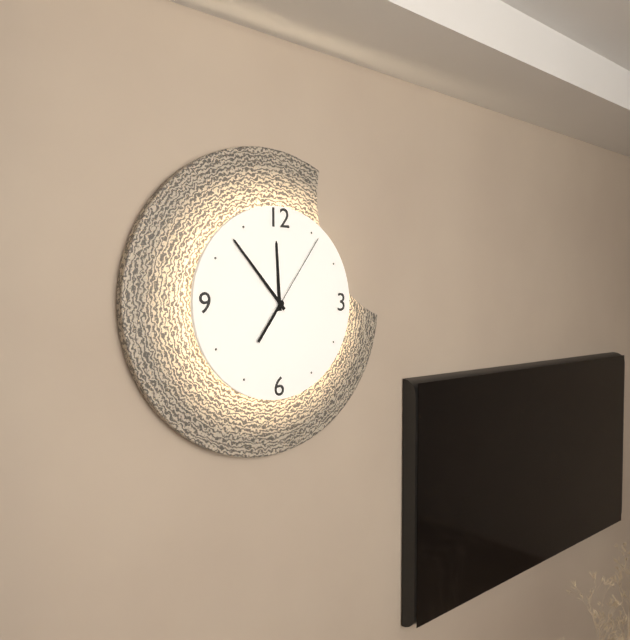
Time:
**11:53:06**
